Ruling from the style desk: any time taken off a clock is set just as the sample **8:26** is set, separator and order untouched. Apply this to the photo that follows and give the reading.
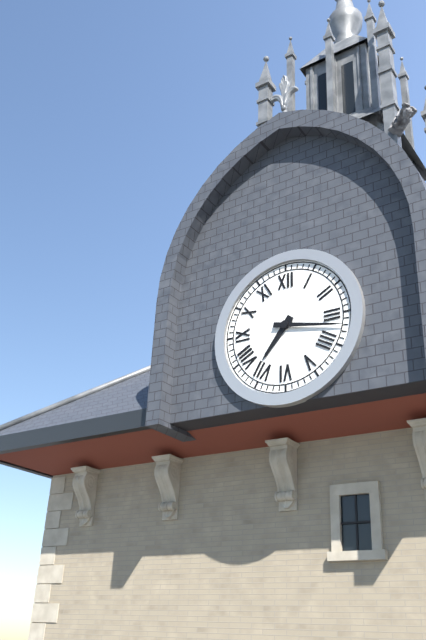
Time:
**7:17**
